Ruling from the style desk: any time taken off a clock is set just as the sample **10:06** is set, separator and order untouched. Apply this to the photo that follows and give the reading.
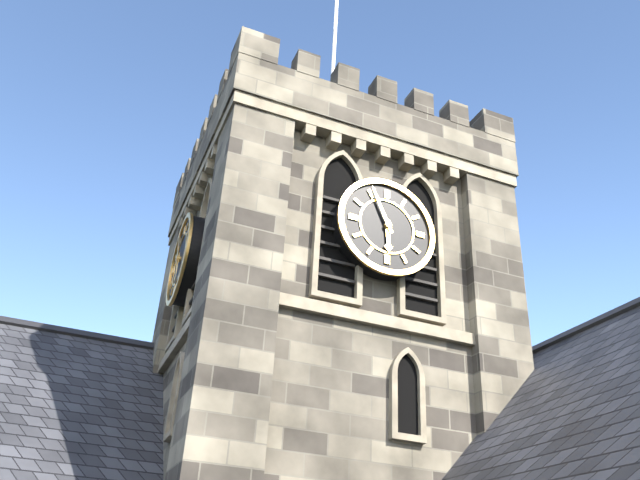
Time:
**5:56**
